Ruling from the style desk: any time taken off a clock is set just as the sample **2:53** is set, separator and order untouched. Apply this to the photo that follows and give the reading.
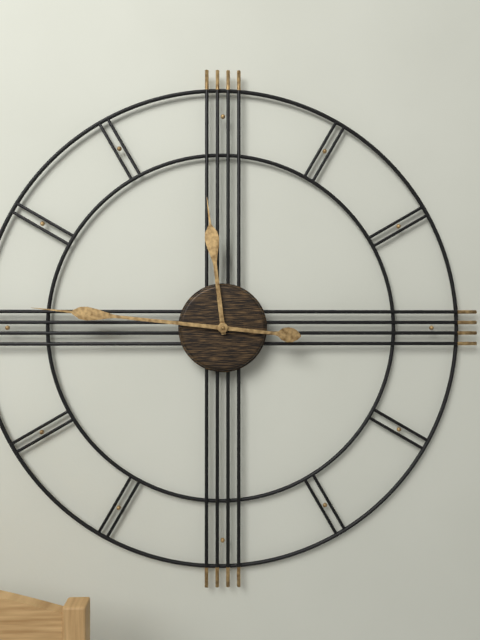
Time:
**11:46**
